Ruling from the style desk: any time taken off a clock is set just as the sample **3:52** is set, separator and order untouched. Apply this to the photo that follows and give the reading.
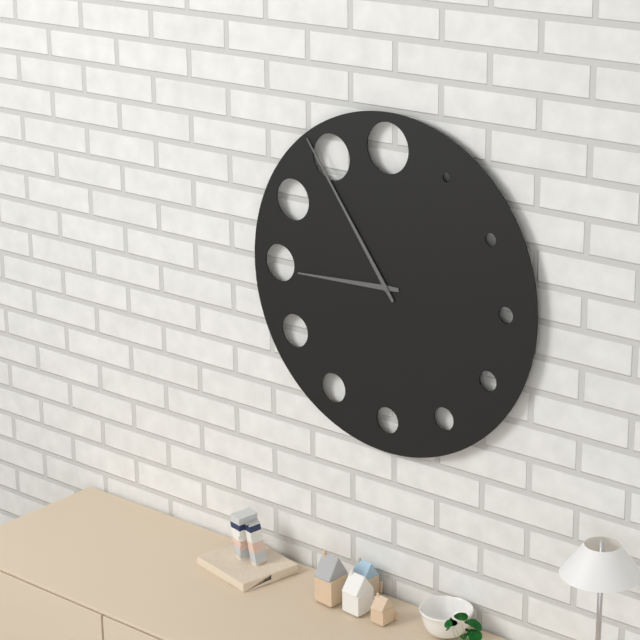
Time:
**8:54**
